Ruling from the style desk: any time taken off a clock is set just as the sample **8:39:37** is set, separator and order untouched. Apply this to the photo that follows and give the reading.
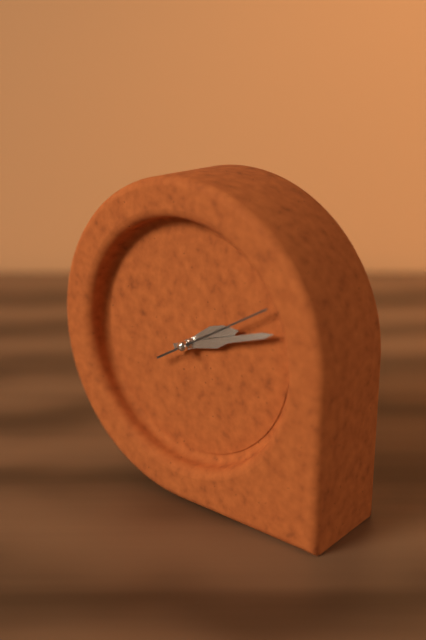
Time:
**2:12:10**
